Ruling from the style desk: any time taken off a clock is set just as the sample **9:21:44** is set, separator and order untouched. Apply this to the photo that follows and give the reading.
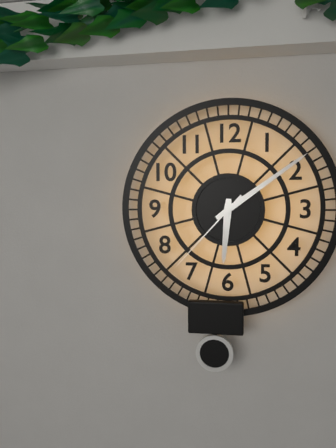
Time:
**6:09:37**
